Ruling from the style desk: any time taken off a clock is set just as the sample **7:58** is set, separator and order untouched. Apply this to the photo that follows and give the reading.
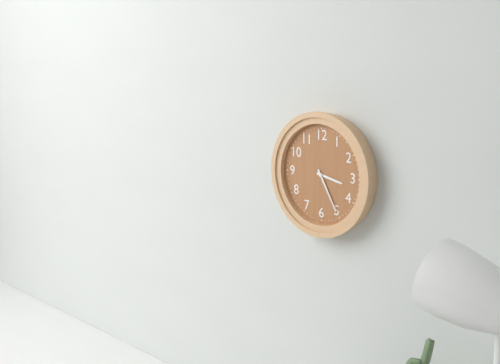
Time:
**3:25**
